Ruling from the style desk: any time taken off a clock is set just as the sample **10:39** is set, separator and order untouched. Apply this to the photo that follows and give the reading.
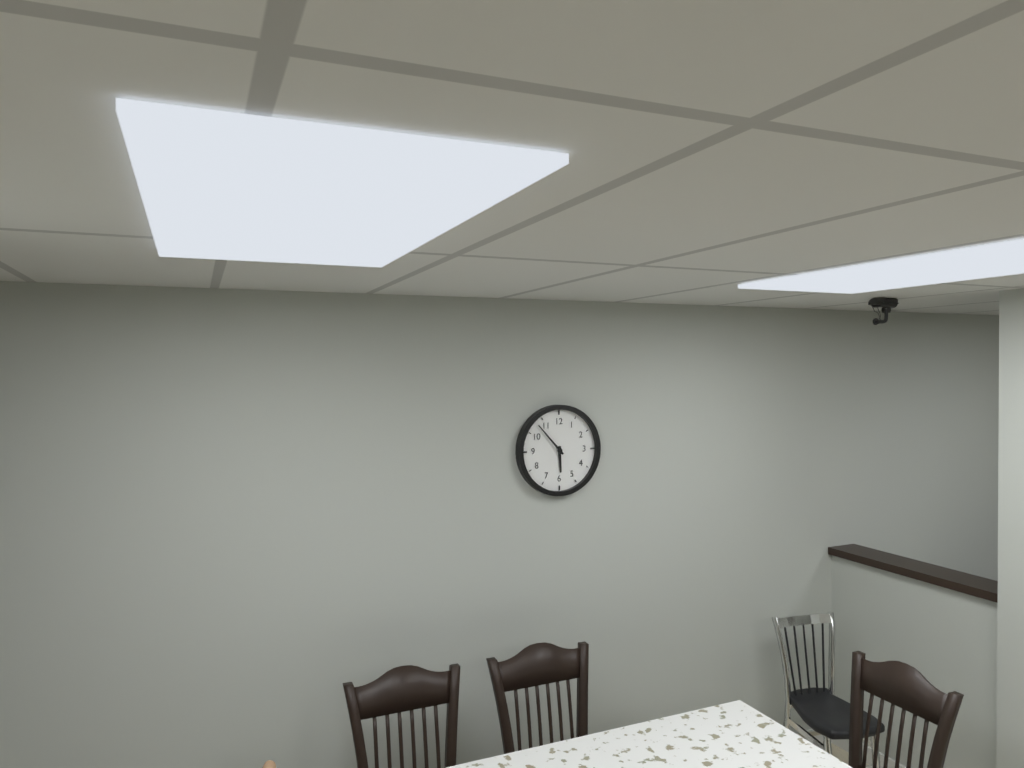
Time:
**5:53**
